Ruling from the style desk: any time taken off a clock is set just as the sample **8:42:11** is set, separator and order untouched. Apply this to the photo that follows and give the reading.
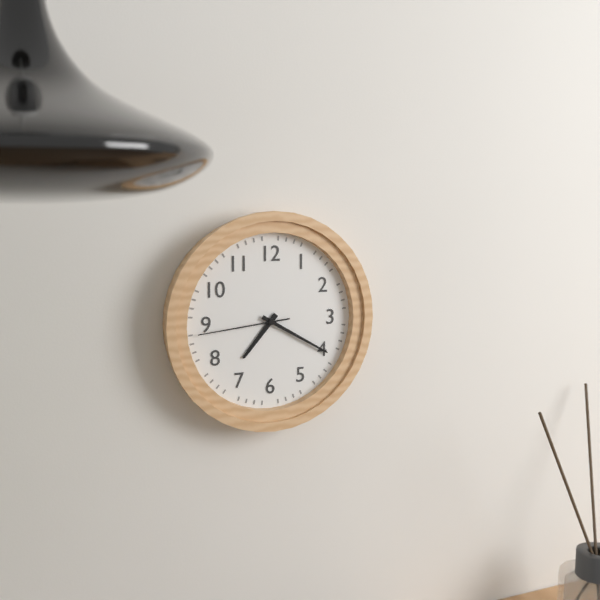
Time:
**7:20:44**
